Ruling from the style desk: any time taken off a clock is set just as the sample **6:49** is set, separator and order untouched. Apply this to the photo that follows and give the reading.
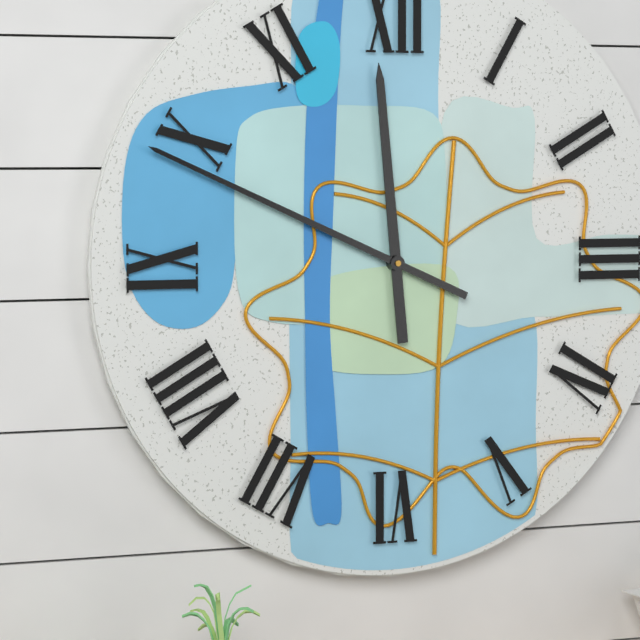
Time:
**11:49**
